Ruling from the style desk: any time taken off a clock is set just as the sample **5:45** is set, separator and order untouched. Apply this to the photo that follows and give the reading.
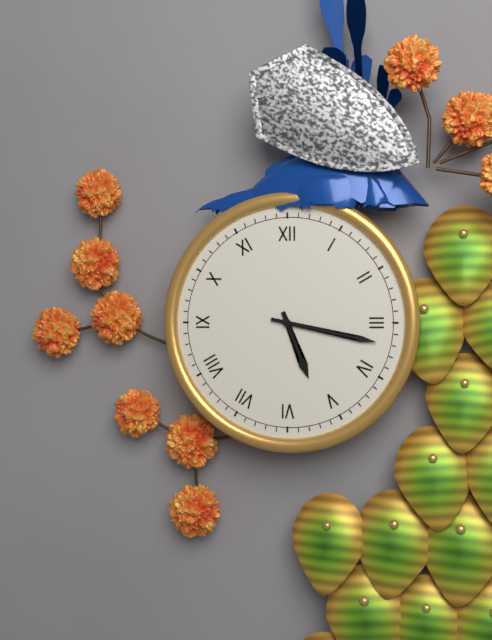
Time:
**5:17**
